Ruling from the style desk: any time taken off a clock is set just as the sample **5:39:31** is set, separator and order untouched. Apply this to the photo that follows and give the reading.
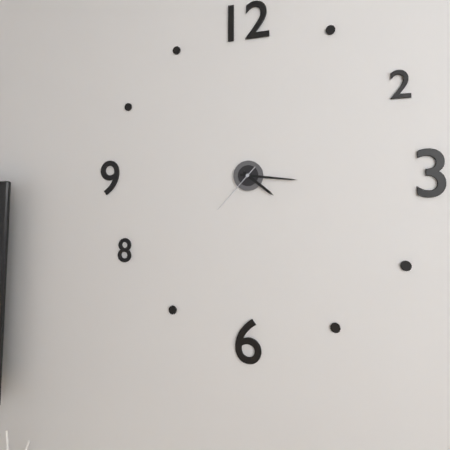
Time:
**4:16:37**
